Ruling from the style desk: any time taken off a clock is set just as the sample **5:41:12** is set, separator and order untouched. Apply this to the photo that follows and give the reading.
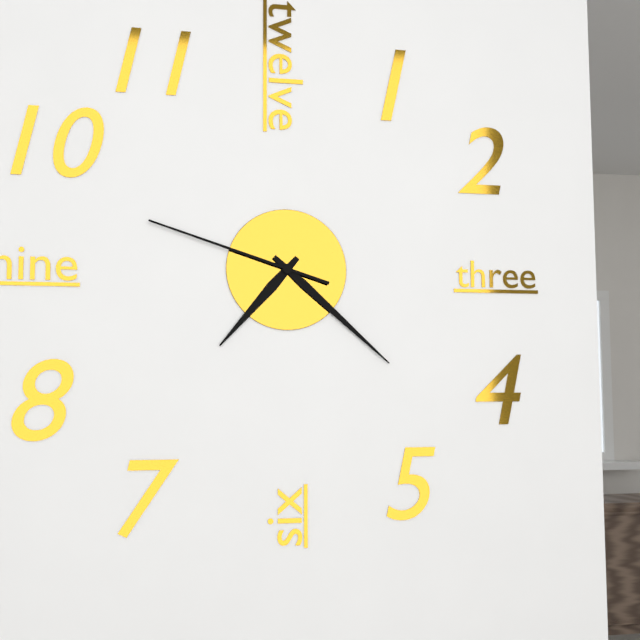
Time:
**7:22:48**
